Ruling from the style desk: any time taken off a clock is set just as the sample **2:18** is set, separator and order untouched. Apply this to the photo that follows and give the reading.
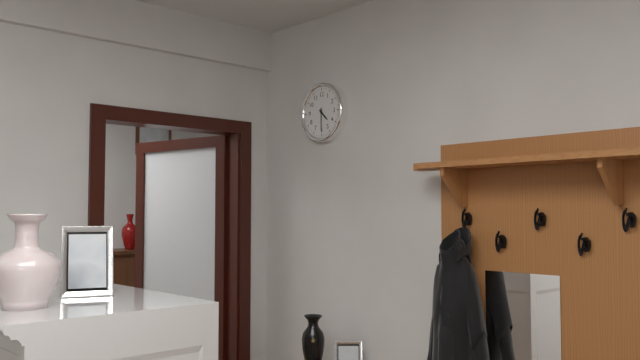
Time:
**4:30**
